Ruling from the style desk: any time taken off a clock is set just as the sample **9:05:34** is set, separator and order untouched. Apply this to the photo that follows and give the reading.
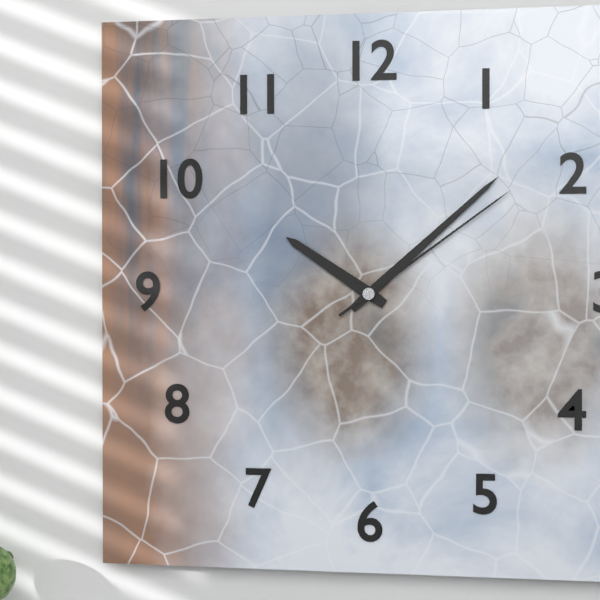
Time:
**10:08:09**
